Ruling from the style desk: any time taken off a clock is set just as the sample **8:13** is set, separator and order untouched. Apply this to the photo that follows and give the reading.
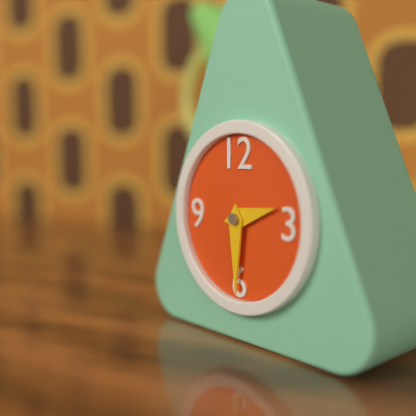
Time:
**2:30**
